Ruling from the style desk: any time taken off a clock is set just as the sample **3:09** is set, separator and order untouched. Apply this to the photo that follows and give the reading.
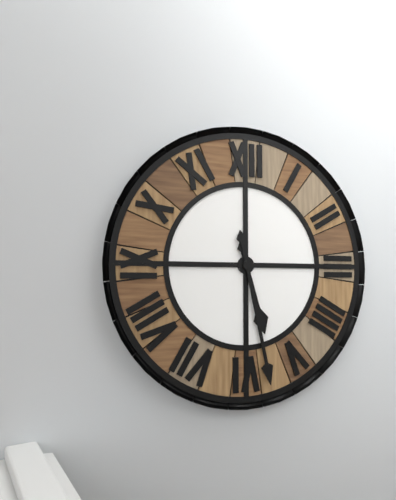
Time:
**5:28**
